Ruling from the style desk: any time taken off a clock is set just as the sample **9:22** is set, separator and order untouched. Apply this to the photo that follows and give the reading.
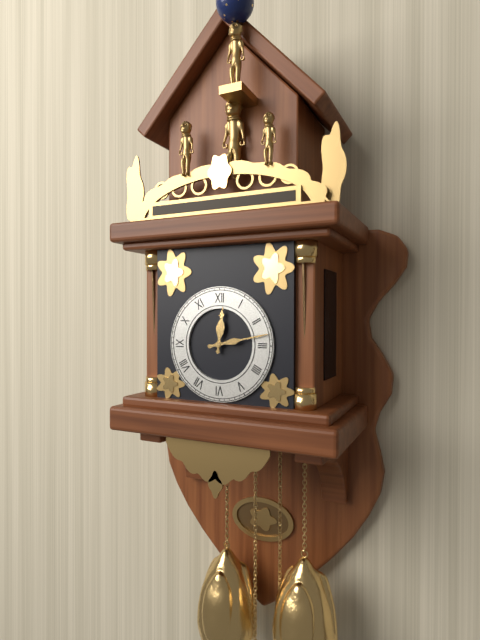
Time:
**12:13**
